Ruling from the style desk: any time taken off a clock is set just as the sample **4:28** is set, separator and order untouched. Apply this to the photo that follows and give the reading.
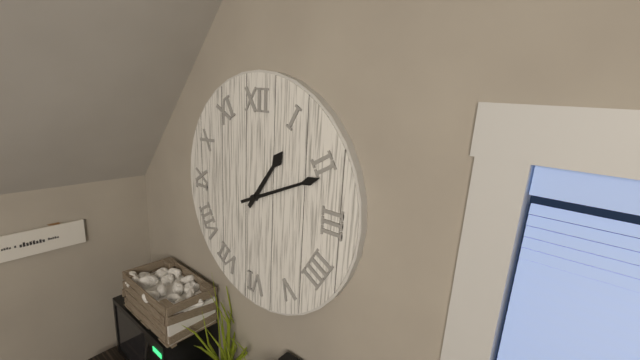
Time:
**1:11**
